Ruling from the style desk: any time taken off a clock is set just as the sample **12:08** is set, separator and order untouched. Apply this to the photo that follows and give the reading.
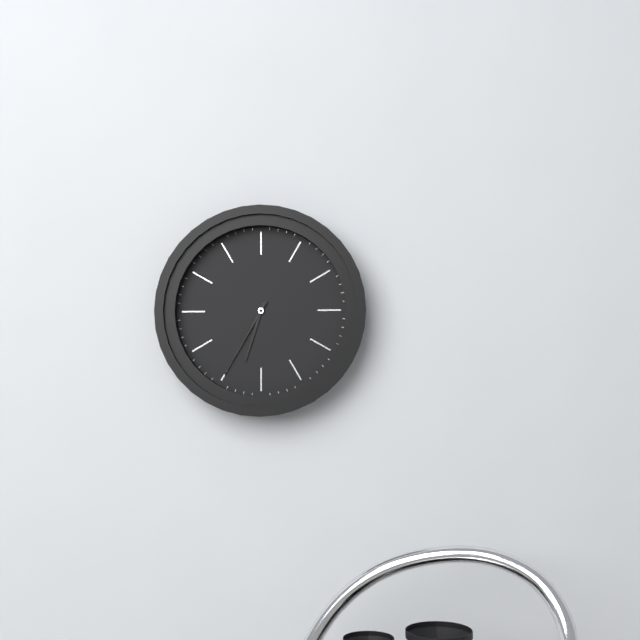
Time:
**6:35**
